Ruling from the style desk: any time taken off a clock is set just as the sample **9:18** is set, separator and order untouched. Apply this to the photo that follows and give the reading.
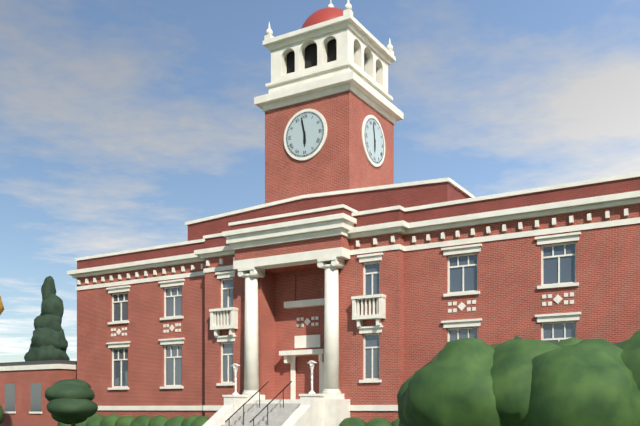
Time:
**5:58**
